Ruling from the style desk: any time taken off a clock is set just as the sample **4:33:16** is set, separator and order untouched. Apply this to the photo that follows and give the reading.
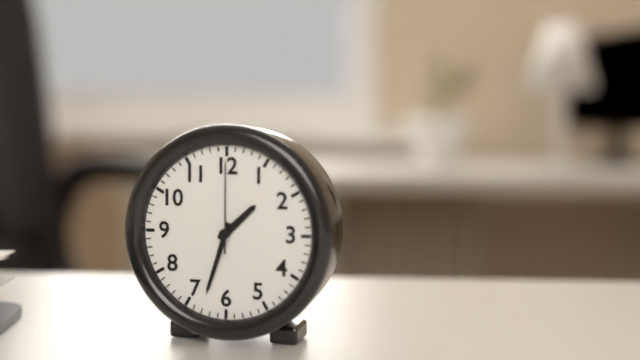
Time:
**1:33:00**
